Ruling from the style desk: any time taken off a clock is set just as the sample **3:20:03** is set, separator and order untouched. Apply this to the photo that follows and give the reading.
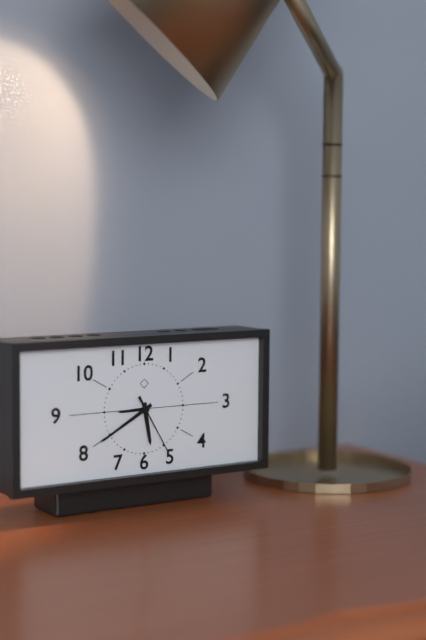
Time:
**5:40:25**
